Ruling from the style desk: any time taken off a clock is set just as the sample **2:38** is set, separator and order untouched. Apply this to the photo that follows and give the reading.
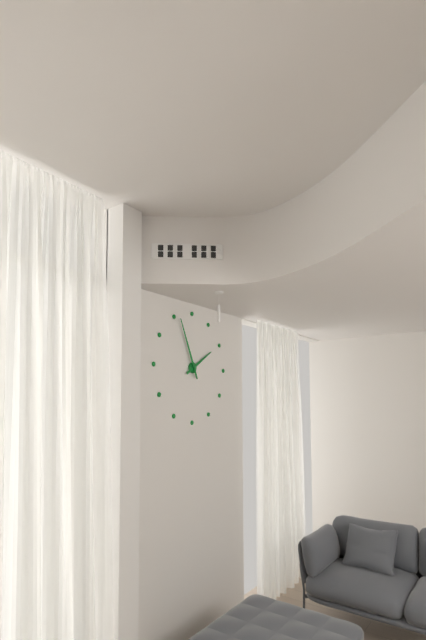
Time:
**1:56**
